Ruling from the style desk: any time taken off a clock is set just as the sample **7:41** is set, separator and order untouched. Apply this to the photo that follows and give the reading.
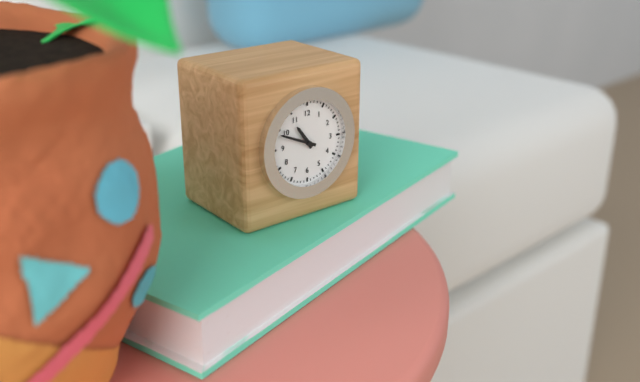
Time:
**10:49**
